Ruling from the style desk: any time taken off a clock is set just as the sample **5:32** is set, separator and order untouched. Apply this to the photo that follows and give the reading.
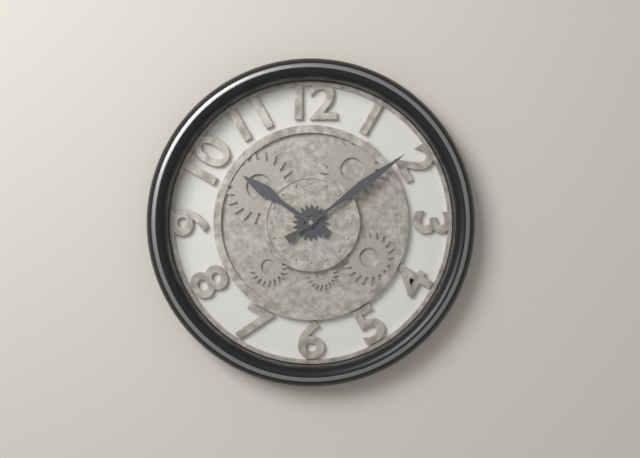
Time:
**10:09**
